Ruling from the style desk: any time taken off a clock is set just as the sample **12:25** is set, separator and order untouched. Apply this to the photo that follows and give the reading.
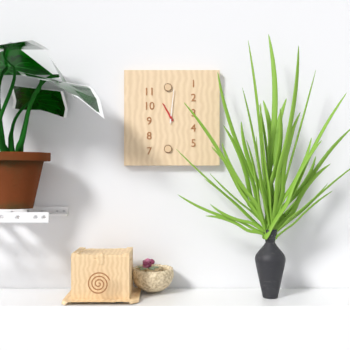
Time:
**11:01**
